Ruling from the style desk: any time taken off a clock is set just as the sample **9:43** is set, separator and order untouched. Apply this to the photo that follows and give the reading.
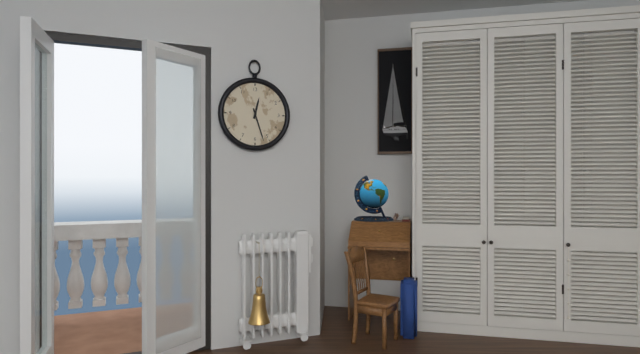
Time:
**12:27**
